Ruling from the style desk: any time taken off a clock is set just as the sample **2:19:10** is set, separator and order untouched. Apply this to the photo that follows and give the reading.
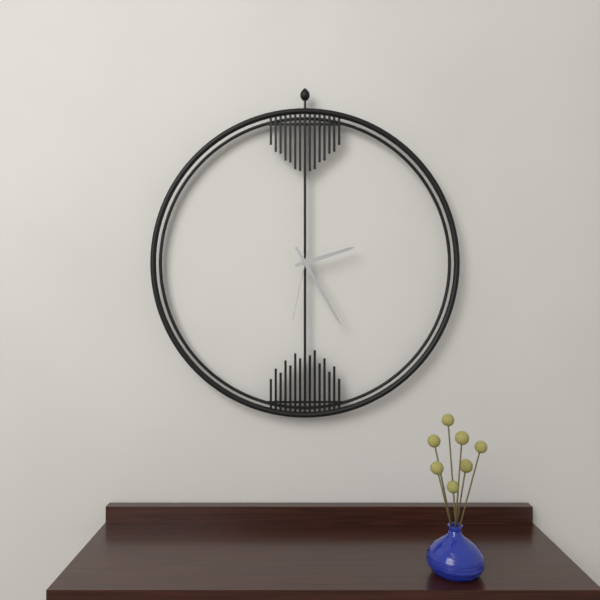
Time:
**2:25:32**
